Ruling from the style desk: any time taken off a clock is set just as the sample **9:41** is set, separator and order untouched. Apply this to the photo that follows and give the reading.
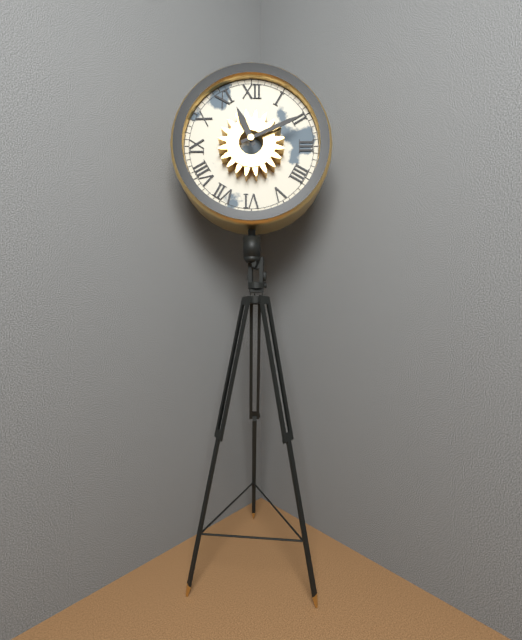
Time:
**11:11**
